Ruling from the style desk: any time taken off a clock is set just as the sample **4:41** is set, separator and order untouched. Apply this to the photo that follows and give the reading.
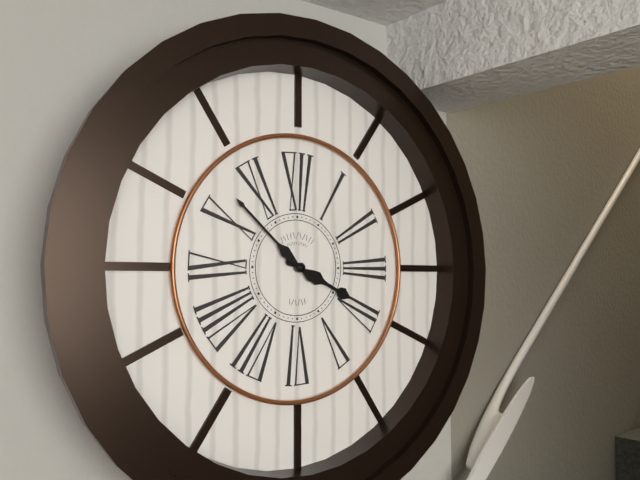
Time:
**3:52**
